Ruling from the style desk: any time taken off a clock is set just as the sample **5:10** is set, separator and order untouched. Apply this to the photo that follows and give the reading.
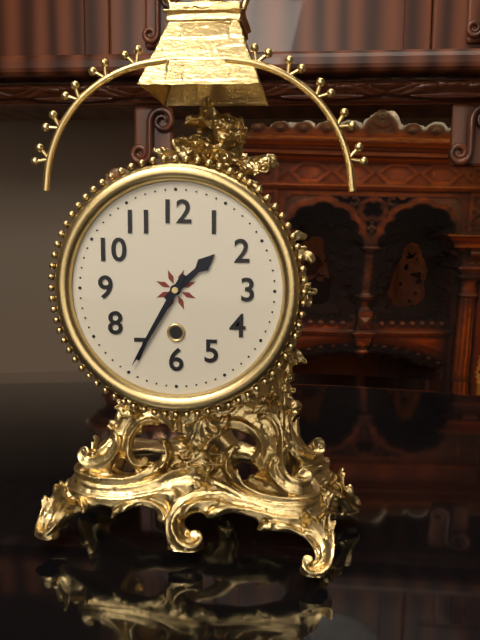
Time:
**1:35**
